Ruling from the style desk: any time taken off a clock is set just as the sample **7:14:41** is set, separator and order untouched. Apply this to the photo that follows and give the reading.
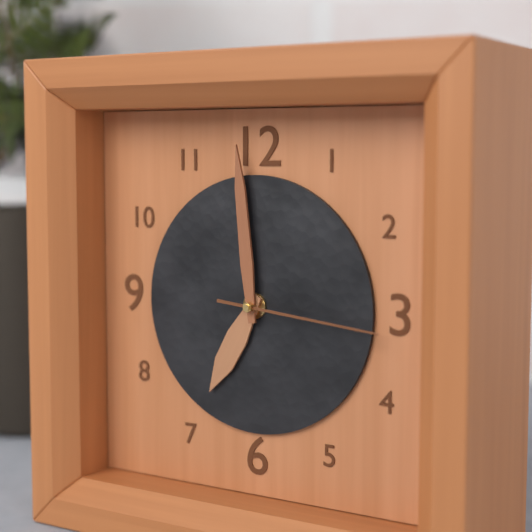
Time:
**6:59:16**
